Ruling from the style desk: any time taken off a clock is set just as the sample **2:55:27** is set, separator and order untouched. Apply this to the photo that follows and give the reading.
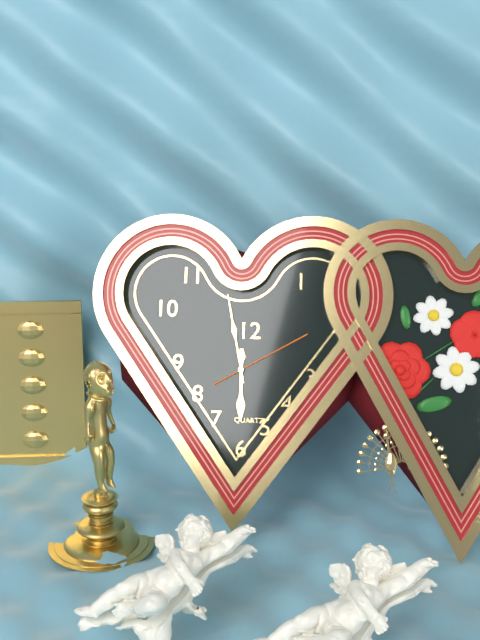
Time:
**5:58:10**
